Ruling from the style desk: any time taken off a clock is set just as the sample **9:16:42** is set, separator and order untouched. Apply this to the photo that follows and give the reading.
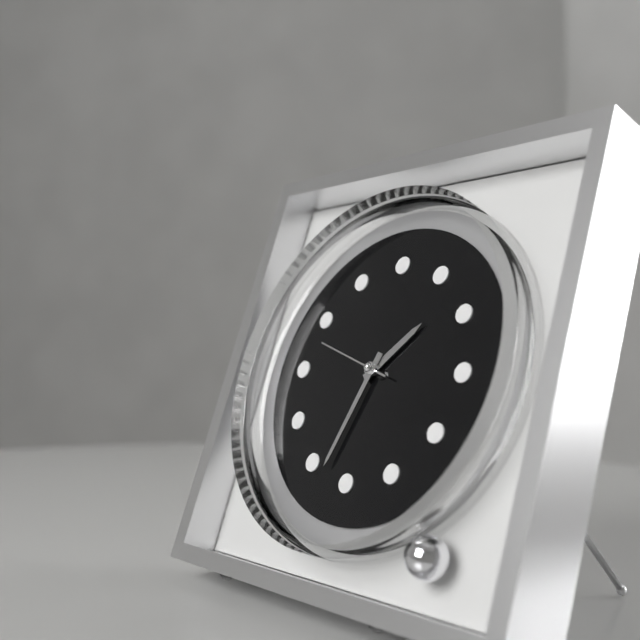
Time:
**1:33:48**
